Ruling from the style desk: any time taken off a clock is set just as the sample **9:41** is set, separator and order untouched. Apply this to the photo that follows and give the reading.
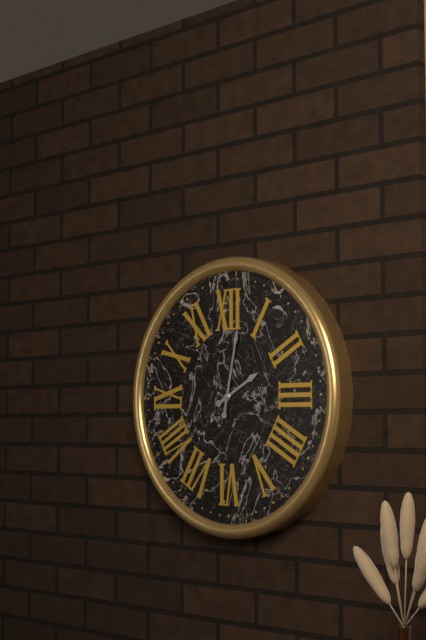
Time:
**2:02**
